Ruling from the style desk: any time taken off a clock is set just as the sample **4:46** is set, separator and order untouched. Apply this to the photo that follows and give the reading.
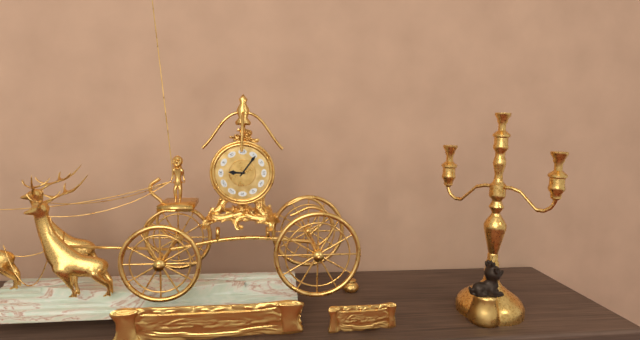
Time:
**9:06**
